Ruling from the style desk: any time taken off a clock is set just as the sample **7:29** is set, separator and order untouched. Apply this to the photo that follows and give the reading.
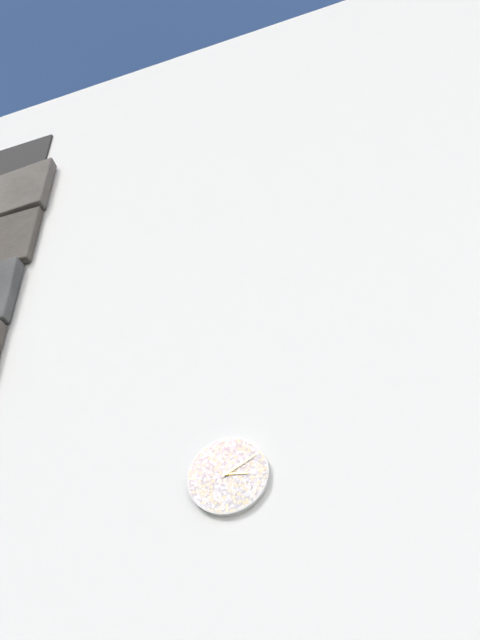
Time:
**3:10**
